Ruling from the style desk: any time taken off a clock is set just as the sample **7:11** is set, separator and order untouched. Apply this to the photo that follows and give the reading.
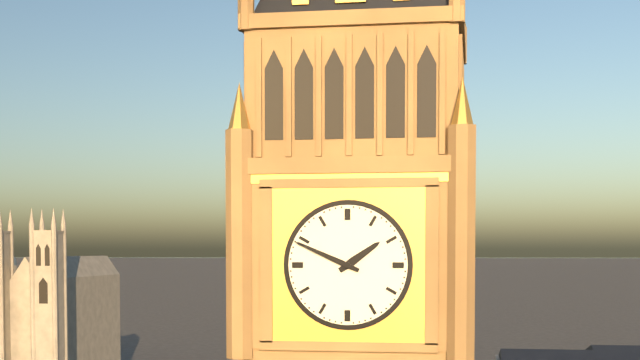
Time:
**1:49**
